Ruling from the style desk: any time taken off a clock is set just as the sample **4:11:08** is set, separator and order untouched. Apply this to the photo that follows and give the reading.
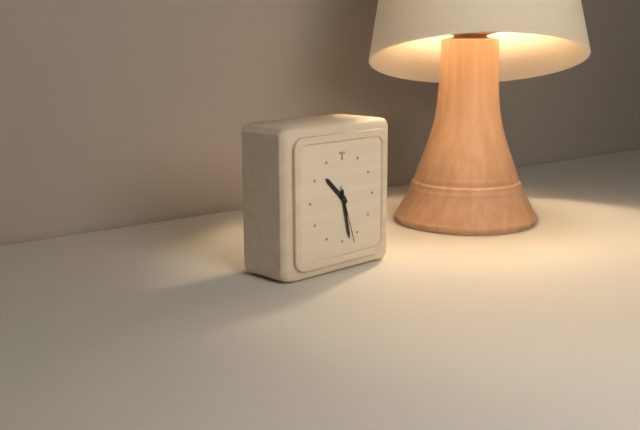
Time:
**10:28:27**
